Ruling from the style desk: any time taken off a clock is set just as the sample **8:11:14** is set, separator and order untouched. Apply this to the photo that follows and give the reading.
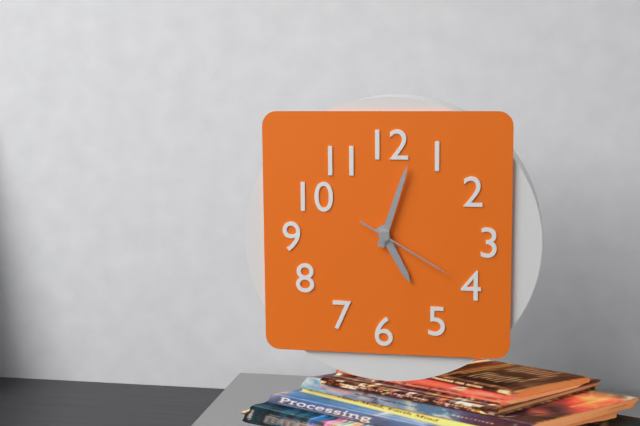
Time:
**5:03:20**
